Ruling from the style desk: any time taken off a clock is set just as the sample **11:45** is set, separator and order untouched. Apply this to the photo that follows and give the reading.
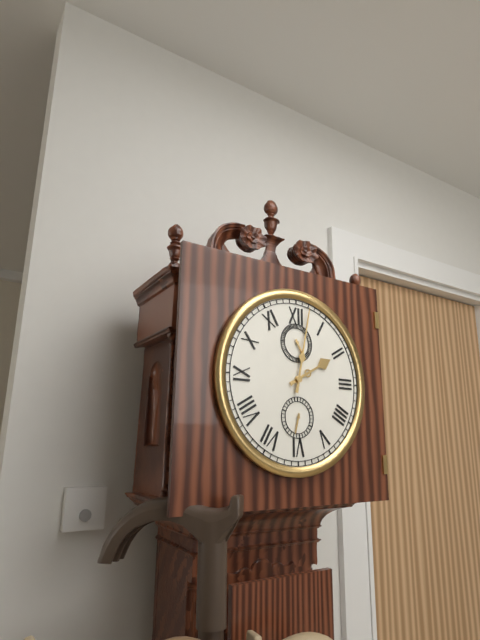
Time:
**2:02**
